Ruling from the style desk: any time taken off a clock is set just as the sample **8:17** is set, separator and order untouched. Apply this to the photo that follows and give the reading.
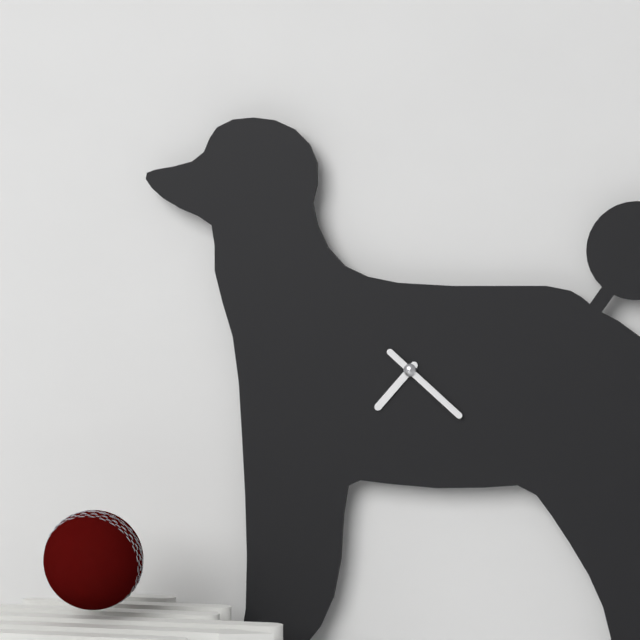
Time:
**7:22**
